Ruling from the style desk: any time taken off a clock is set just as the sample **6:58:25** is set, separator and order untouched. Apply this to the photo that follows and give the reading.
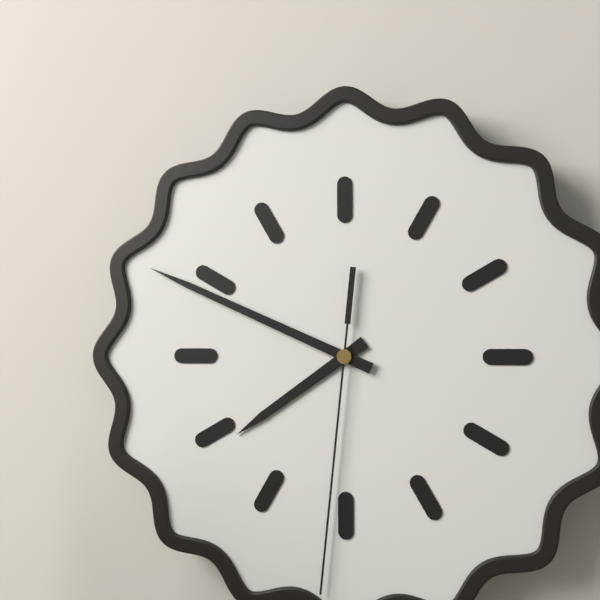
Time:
**7:49:31**
